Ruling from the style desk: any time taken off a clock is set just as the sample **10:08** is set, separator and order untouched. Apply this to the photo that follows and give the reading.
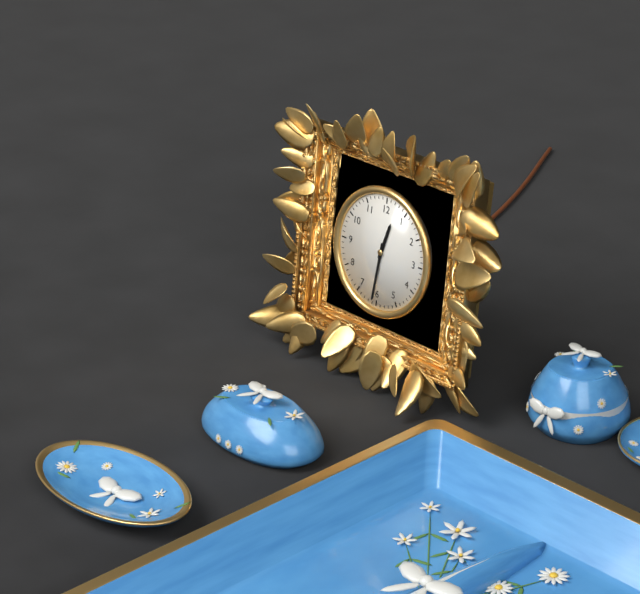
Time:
**12:31**
